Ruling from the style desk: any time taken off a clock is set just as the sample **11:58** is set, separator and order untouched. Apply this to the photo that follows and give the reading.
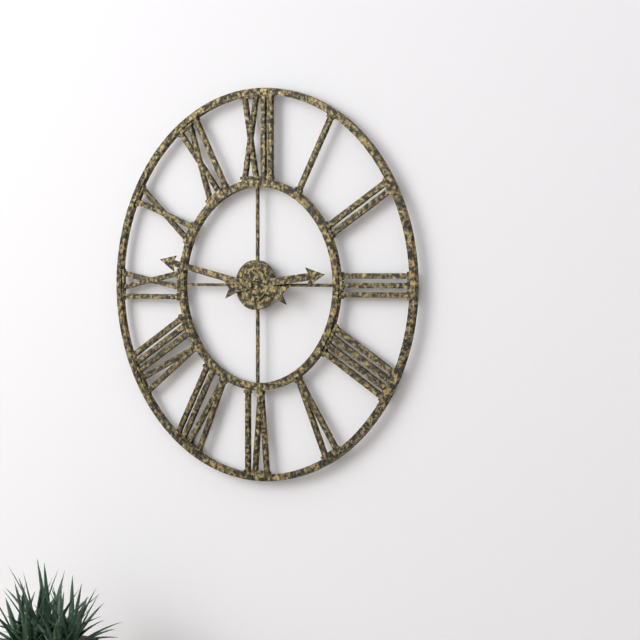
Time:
**2:47**
